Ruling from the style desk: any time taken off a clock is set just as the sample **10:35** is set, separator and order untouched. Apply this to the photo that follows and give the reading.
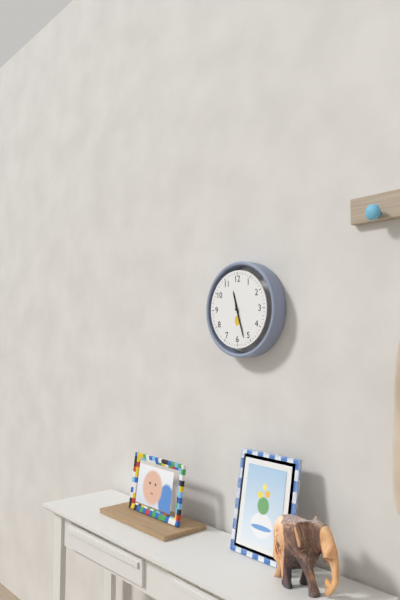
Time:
**11:27**
